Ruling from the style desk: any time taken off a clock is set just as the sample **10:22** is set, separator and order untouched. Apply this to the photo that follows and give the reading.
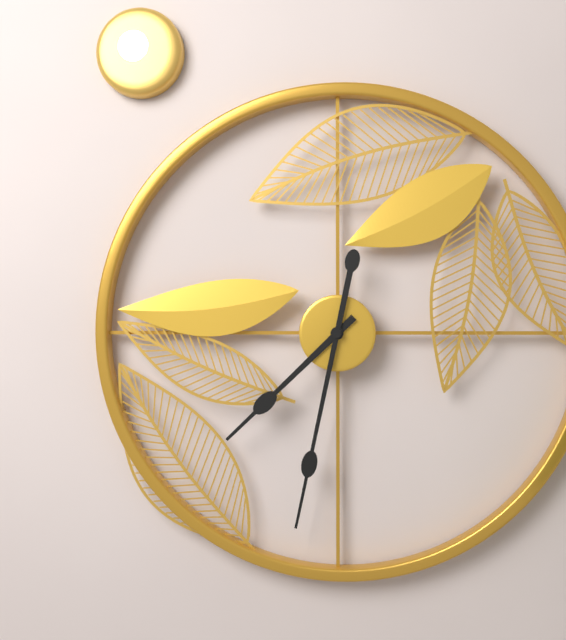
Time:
**7:32**
